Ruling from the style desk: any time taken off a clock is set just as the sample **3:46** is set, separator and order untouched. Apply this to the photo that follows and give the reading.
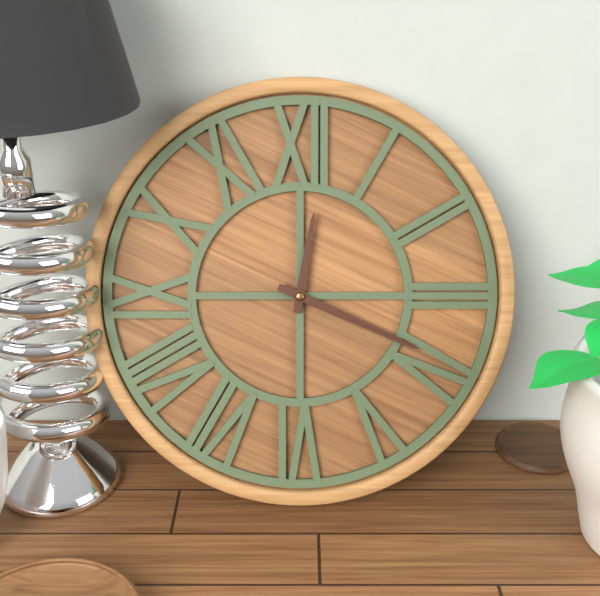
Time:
**12:19**
